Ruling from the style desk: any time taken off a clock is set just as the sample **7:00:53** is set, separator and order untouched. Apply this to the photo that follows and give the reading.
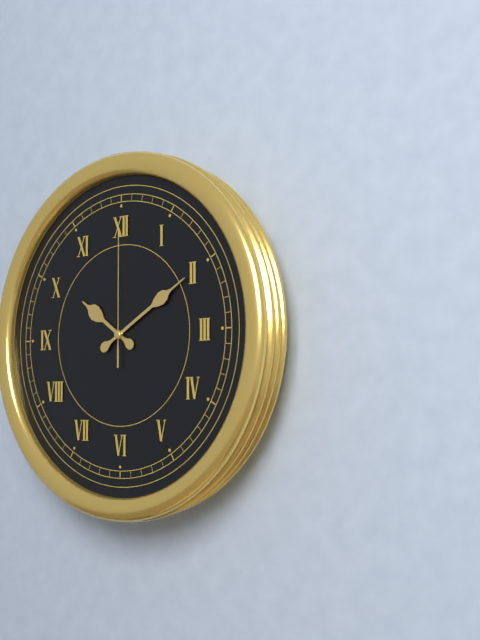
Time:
**10:10:00**
